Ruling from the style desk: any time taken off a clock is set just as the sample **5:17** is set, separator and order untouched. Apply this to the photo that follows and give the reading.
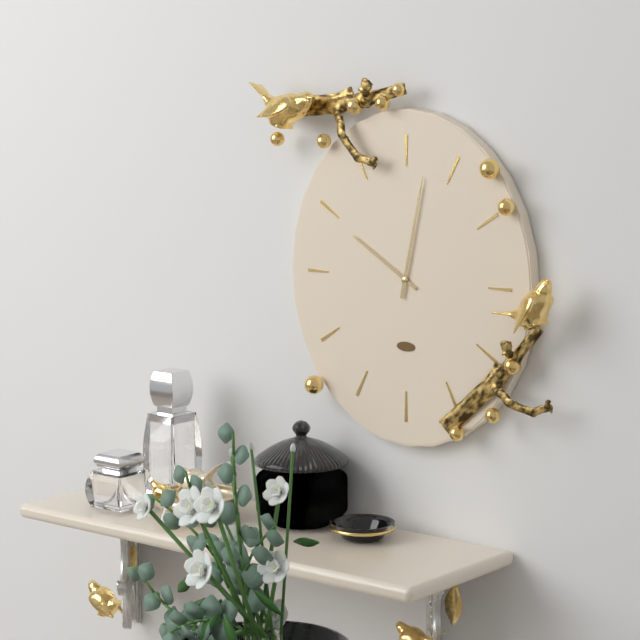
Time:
**10:02**
